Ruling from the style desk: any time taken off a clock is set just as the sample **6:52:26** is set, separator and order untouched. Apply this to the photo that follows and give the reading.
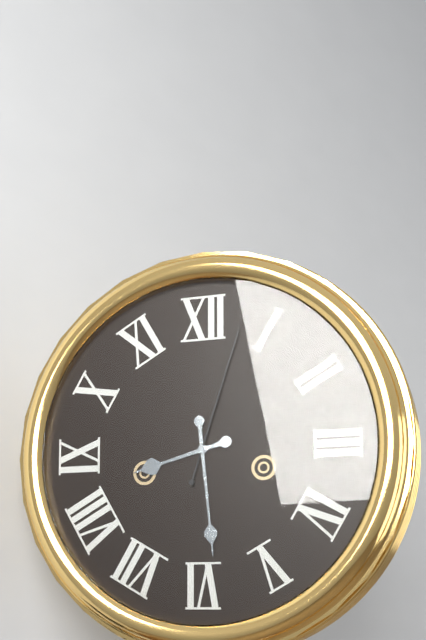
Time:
**8:29:03**
